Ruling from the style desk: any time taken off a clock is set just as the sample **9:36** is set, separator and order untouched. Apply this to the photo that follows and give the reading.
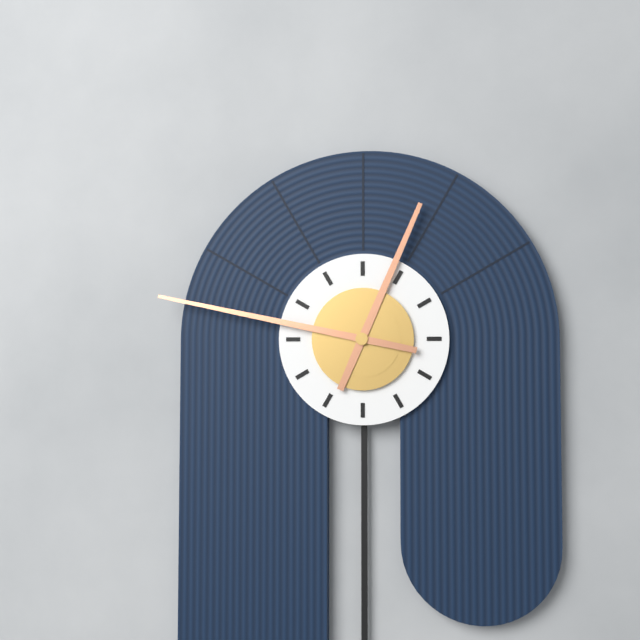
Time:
**12:47**
